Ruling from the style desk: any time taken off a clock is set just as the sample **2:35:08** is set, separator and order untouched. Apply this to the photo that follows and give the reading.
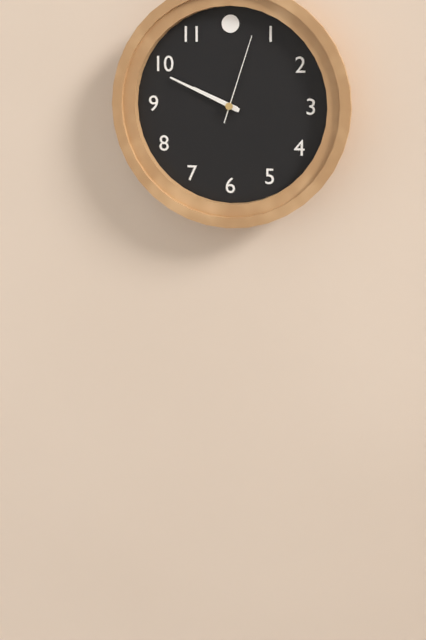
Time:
**9:49:03**
